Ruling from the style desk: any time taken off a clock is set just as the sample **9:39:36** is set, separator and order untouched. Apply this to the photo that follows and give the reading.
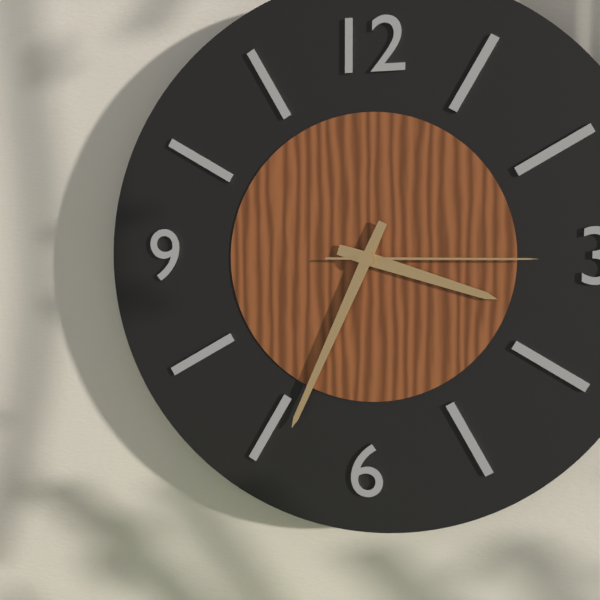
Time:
**3:34:15**
